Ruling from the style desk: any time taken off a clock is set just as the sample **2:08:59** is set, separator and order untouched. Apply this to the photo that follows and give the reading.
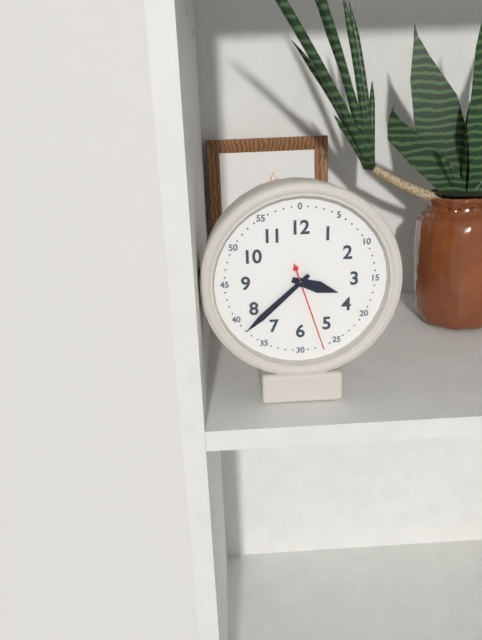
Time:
**3:38:27**
